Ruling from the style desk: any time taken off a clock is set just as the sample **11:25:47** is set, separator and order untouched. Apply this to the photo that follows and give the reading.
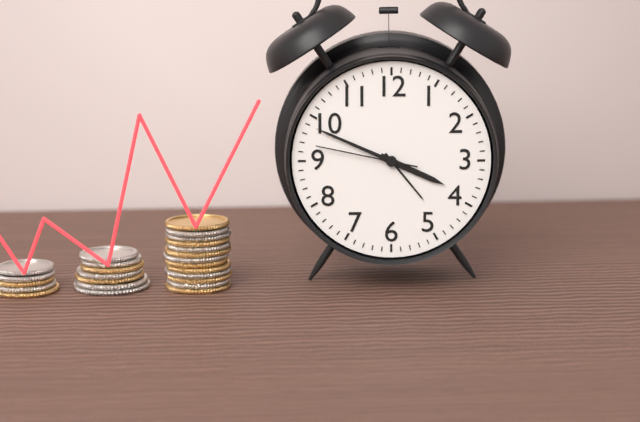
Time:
**3:49:47**
